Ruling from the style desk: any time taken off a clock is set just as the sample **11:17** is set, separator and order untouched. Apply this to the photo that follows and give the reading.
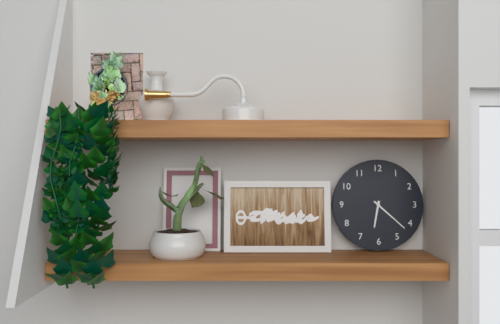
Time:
**6:22**
